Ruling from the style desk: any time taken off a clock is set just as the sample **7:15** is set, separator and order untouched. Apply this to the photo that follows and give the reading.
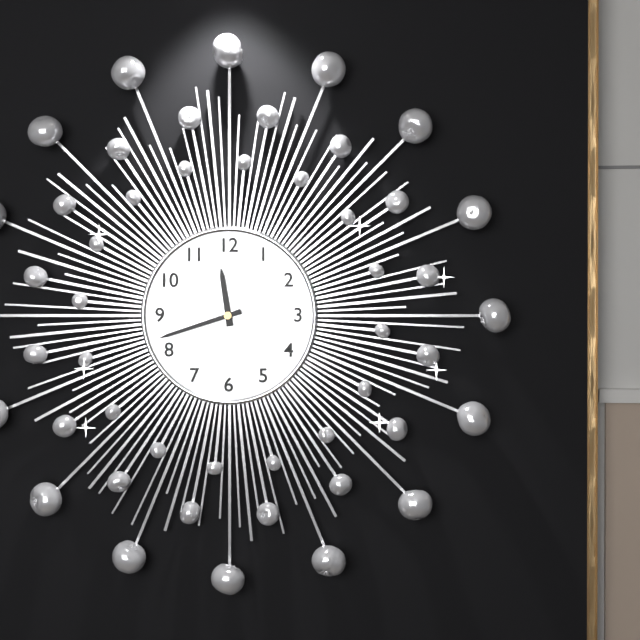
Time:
**11:42**
